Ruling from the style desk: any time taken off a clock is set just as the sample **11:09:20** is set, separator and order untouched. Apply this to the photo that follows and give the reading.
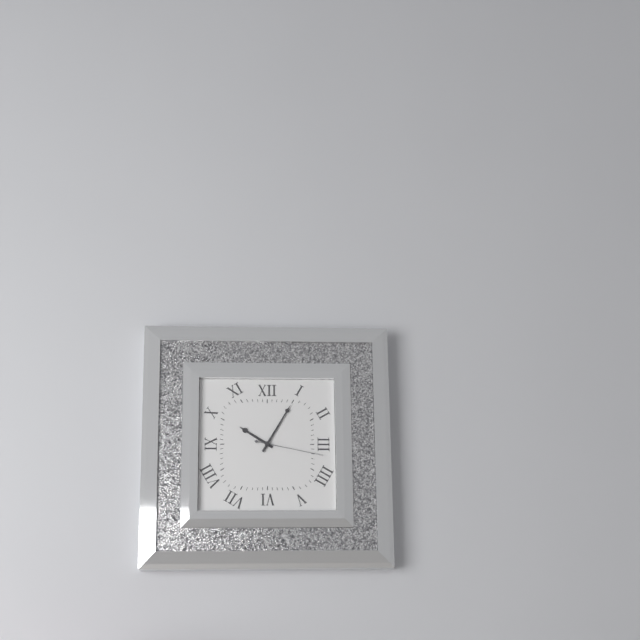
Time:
**10:05:17**
